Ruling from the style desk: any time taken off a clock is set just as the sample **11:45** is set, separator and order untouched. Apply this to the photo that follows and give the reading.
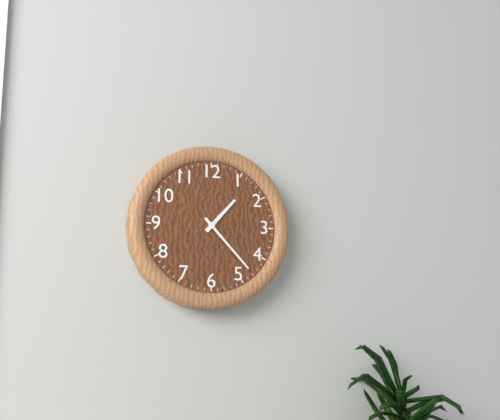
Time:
**1:23**
